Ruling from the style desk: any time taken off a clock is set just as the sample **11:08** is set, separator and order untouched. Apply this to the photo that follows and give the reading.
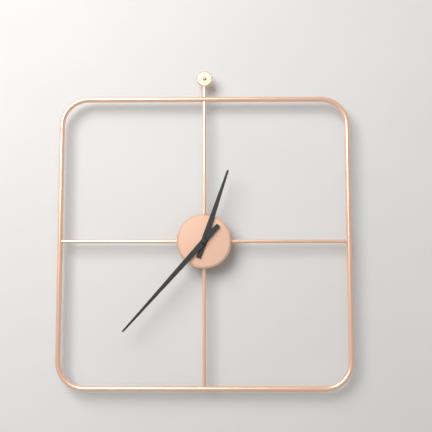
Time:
**12:37**
